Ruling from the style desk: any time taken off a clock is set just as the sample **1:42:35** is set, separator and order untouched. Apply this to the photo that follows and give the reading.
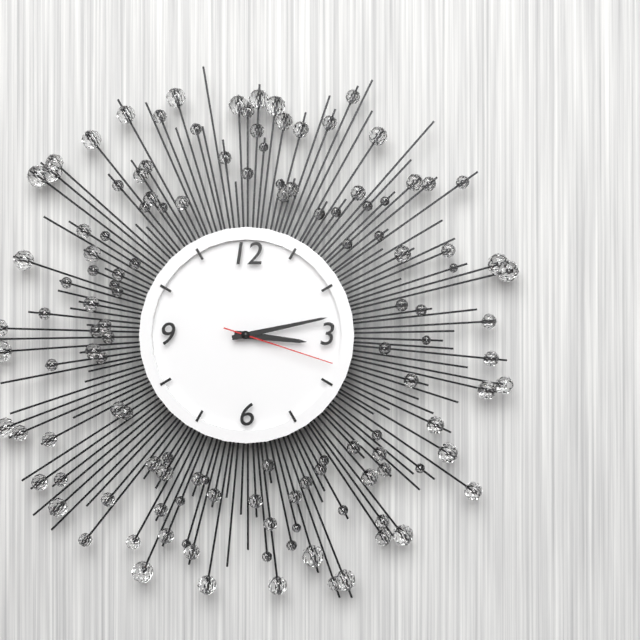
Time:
**3:13:18**
